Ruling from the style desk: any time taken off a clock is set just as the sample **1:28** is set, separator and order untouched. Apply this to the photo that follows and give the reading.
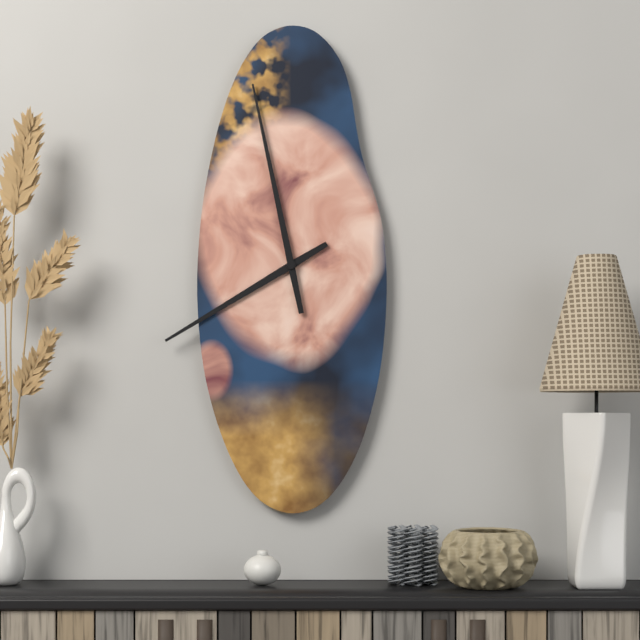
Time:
**7:58**
